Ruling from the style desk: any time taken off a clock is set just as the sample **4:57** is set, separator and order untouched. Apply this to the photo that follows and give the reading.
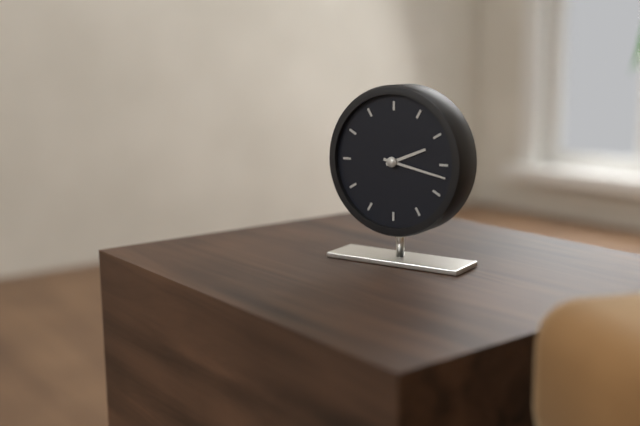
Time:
**2:17**
